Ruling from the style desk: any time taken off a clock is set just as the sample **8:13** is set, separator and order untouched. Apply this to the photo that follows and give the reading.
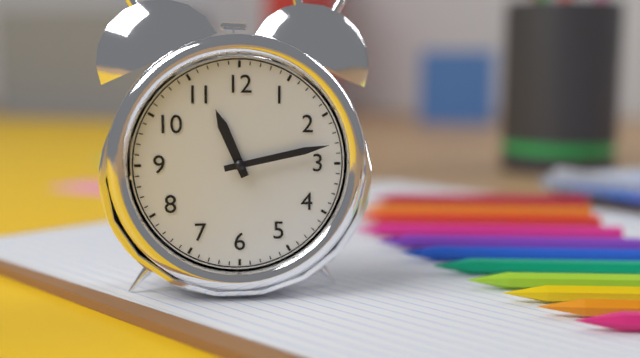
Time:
**11:13**
